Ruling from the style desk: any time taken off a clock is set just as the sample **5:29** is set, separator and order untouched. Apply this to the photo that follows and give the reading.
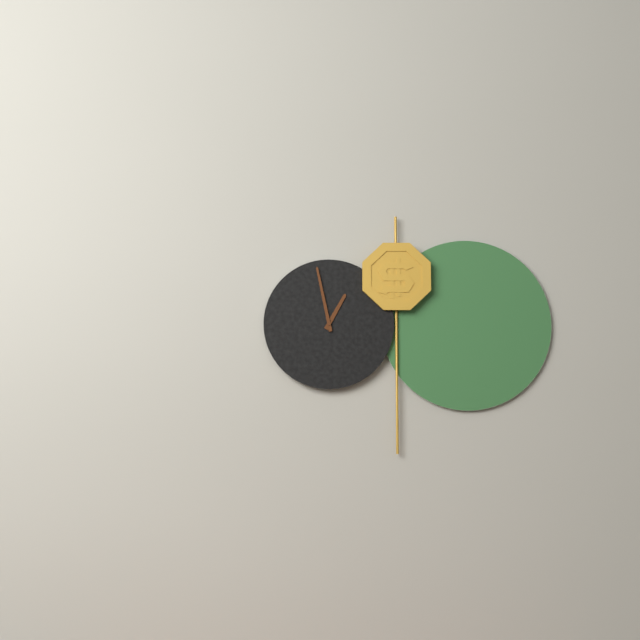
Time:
**12:58**
